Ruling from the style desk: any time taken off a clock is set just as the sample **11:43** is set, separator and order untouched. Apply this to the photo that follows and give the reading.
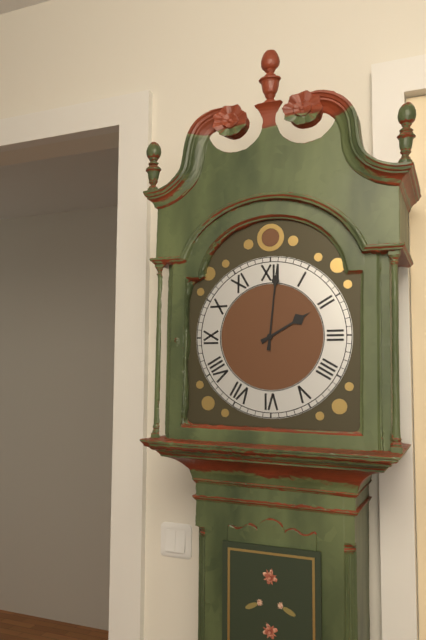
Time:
**2:01**
